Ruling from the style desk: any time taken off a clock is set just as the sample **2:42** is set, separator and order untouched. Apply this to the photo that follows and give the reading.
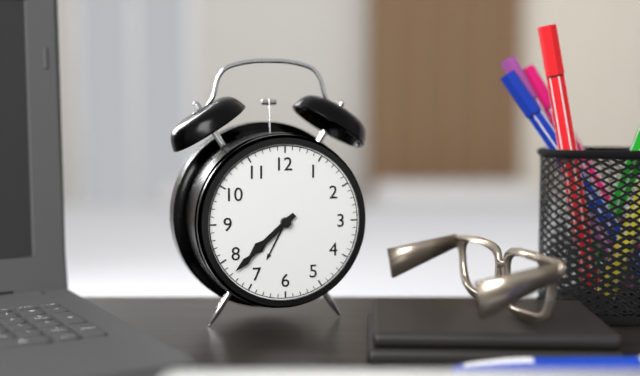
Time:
**7:38**
